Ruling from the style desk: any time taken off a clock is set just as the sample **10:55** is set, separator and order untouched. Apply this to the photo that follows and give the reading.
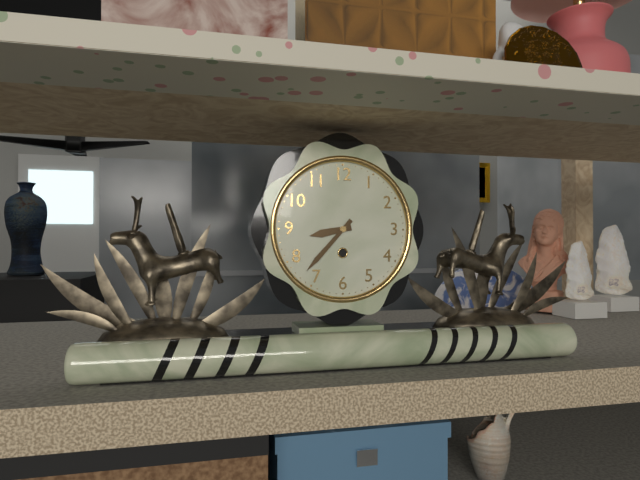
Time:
**8:37**
